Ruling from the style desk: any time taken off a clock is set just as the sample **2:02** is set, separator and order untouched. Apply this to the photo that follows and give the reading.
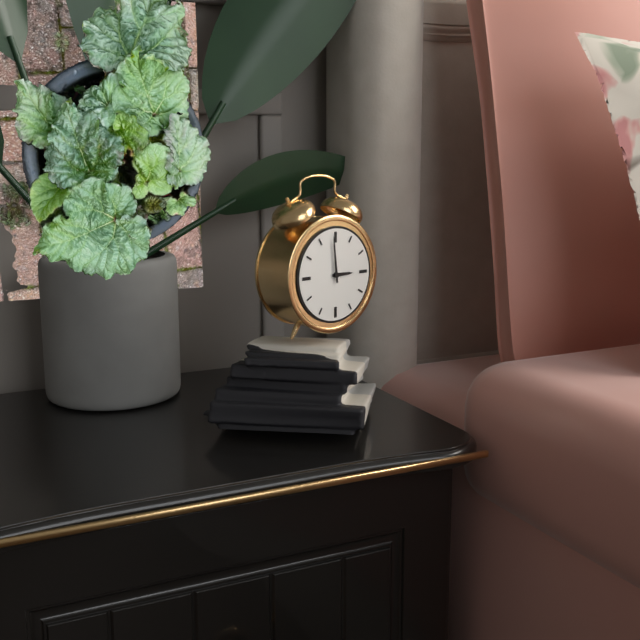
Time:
**2:59**
